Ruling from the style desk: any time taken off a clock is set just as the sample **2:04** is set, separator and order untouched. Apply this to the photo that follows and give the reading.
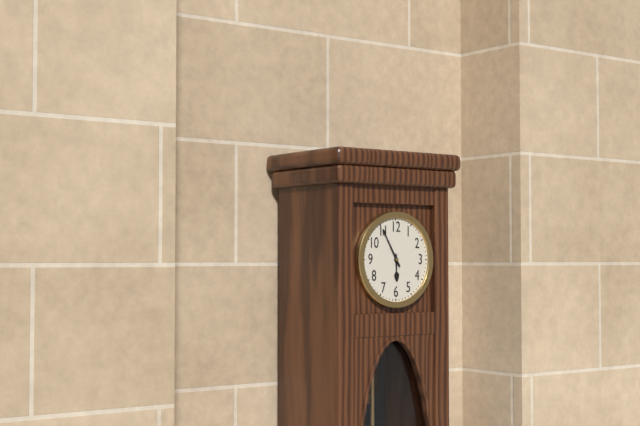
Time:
**5:55**
